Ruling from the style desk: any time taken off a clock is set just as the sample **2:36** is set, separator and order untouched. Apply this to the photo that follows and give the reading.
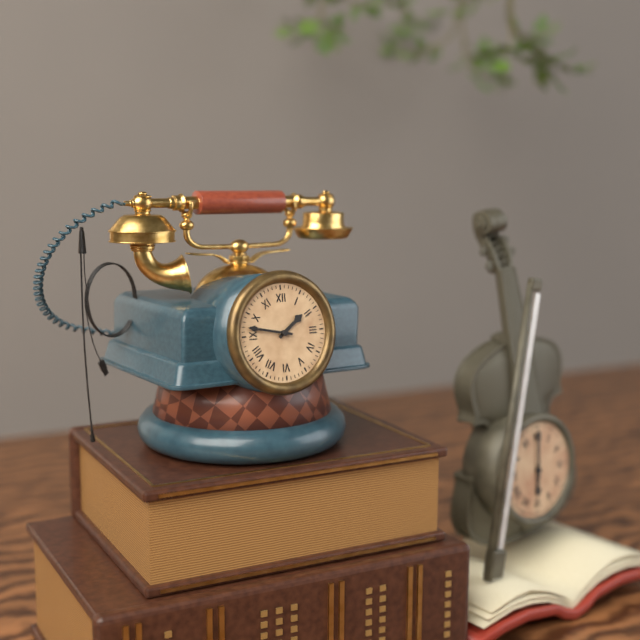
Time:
**1:47**
